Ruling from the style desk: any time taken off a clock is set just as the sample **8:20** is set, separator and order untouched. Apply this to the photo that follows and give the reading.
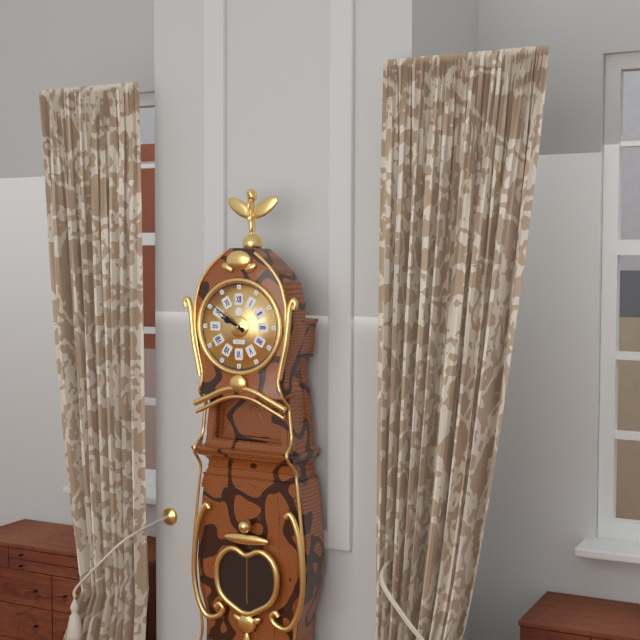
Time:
**9:51**
